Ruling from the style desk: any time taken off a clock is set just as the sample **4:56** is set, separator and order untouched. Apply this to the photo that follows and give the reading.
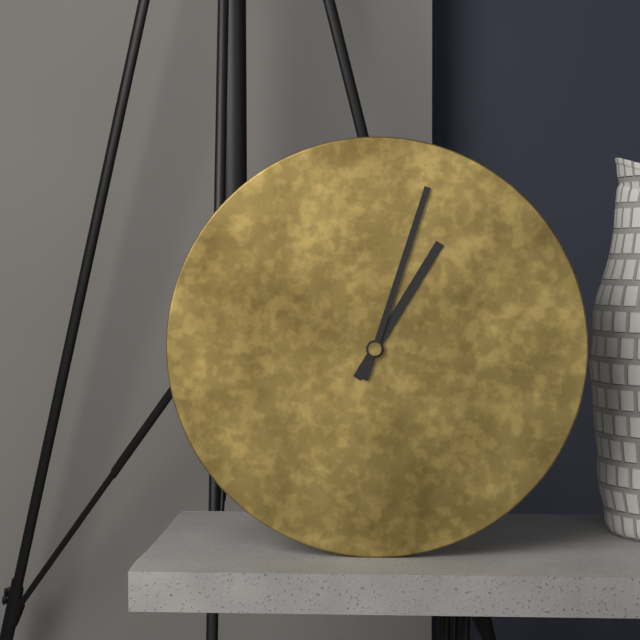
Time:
**1:03**
